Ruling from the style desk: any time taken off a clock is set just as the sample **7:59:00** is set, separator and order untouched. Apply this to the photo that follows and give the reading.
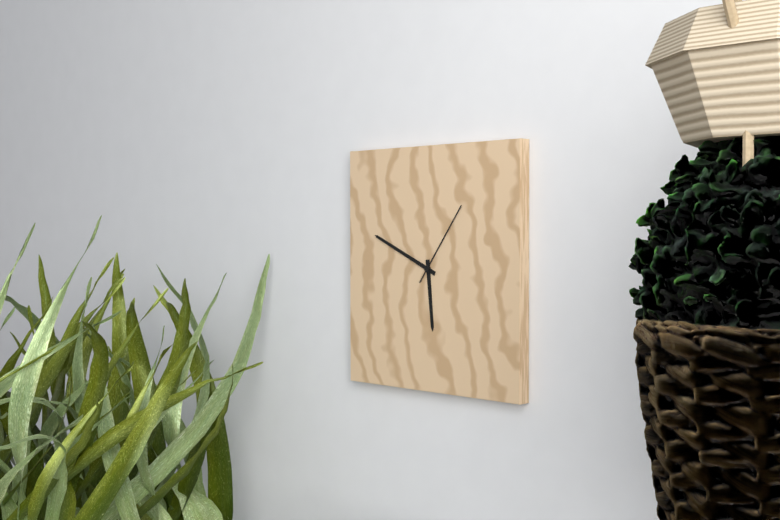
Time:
**5:49:06**
